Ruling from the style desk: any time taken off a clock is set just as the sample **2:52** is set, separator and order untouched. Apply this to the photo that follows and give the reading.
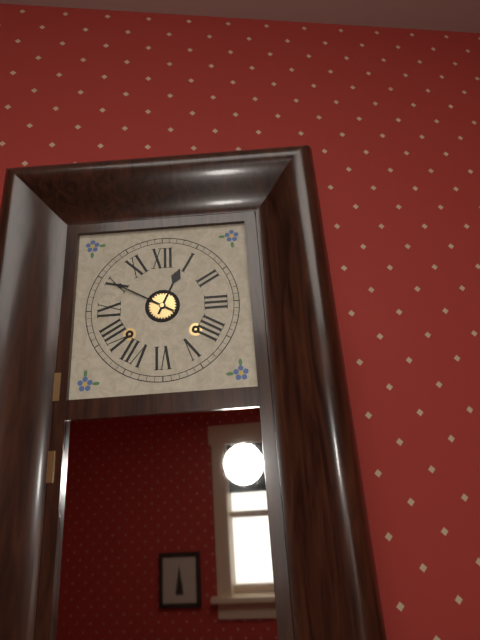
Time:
**12:50**
